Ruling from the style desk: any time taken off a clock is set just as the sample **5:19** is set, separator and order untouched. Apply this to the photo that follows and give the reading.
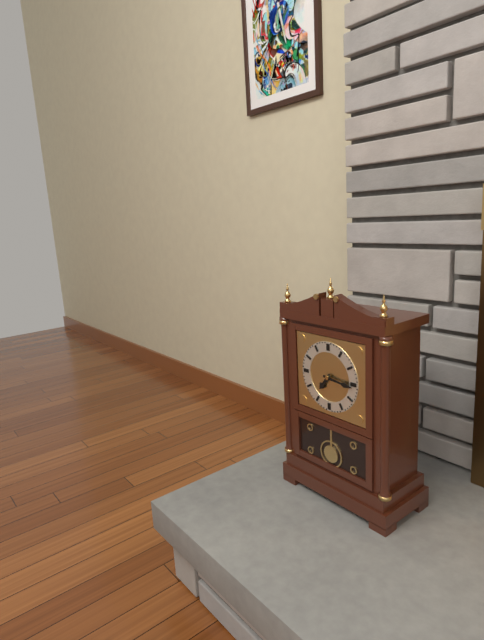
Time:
**7:16**
